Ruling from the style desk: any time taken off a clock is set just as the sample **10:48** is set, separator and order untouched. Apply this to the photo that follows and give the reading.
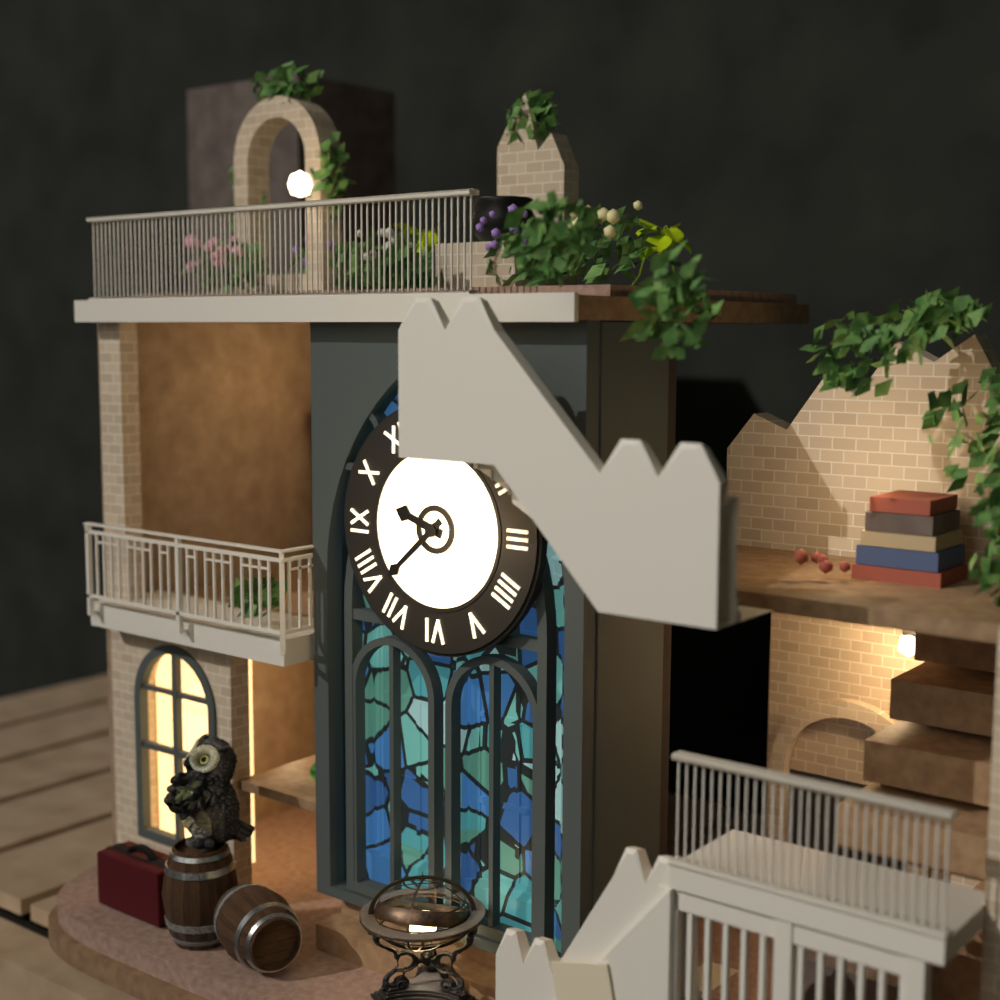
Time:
**9:38**
